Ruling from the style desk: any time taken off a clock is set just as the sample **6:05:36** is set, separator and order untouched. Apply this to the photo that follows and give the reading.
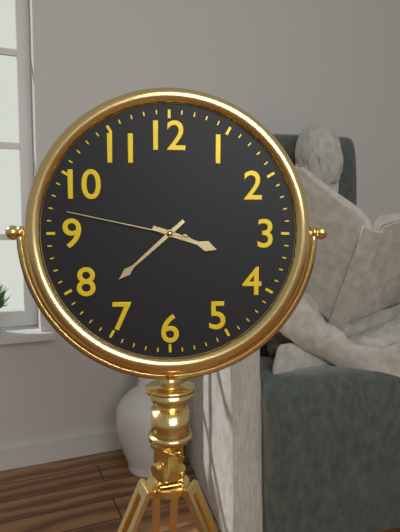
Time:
**3:38:47**
